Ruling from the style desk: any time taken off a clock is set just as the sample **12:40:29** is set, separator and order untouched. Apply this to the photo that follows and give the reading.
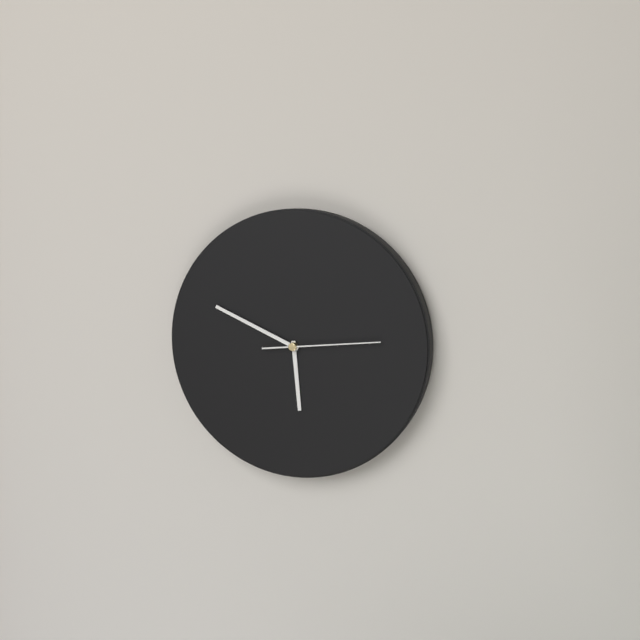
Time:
**5:49:14**
